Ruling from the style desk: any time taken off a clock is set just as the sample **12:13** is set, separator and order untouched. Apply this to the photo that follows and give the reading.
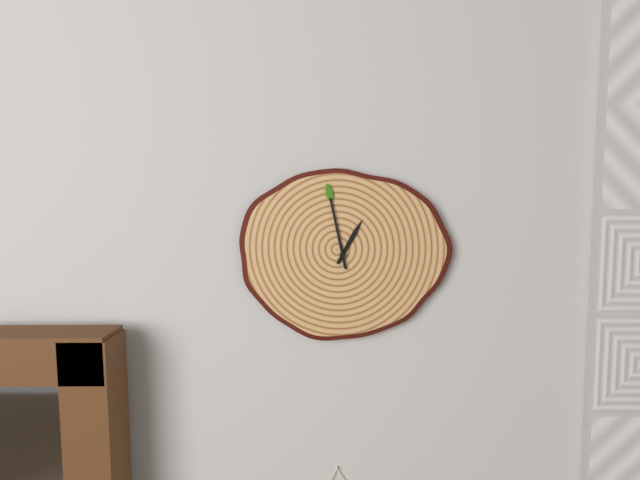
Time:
**12:58**
